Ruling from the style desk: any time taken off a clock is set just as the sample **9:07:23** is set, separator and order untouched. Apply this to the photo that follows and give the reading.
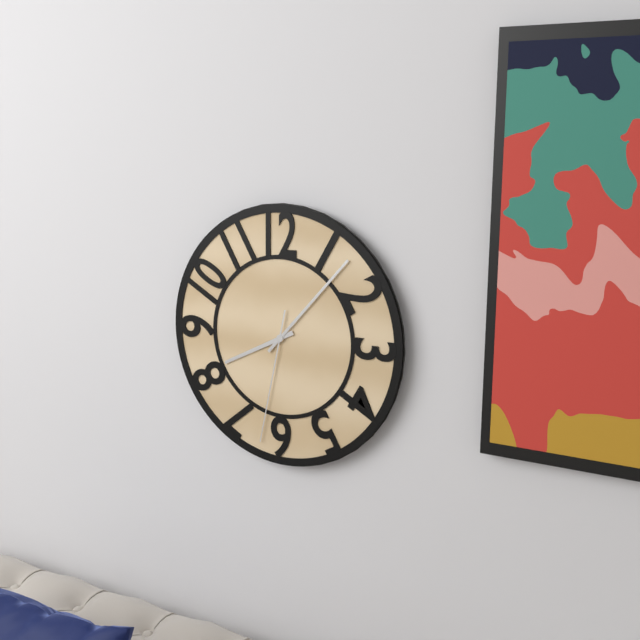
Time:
**8:07:32**
